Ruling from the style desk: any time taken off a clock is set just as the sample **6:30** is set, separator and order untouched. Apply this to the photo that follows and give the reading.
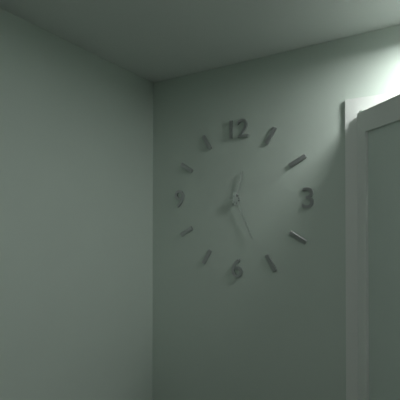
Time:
**12:26**
